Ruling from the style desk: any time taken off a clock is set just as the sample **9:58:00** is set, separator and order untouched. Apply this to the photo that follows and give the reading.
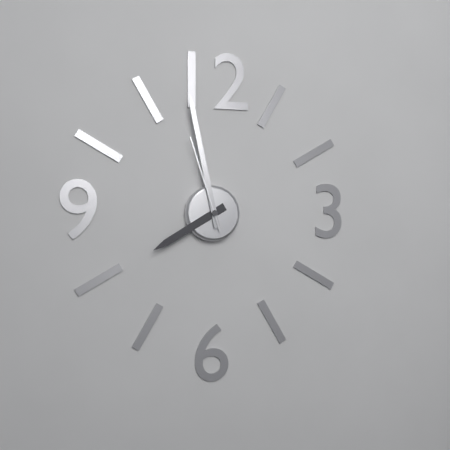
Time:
**7:58:57**
